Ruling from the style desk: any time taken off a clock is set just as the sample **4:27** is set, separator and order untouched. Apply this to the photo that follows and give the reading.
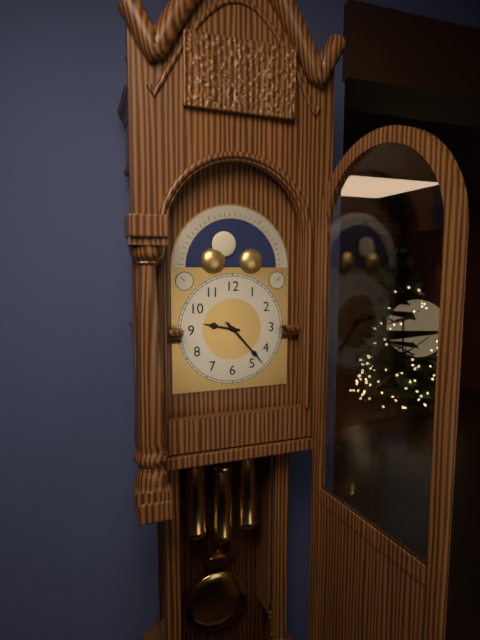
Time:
**9:23**
